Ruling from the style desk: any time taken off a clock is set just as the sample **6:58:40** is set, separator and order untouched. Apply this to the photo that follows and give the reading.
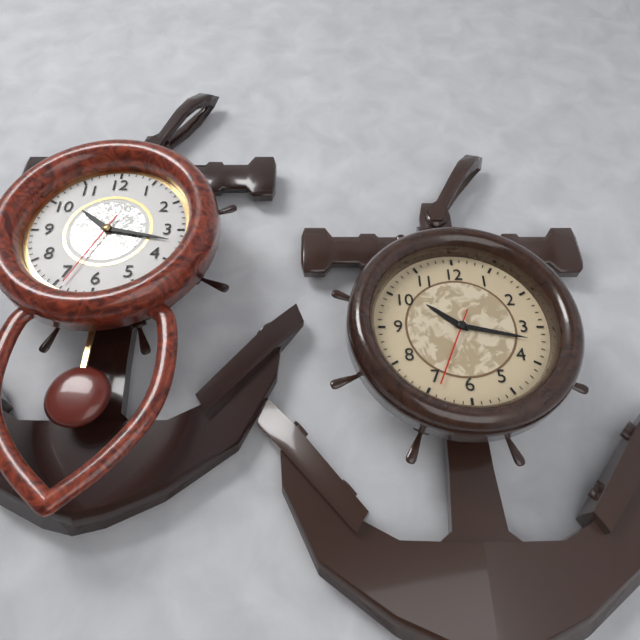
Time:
**10:17:34**
